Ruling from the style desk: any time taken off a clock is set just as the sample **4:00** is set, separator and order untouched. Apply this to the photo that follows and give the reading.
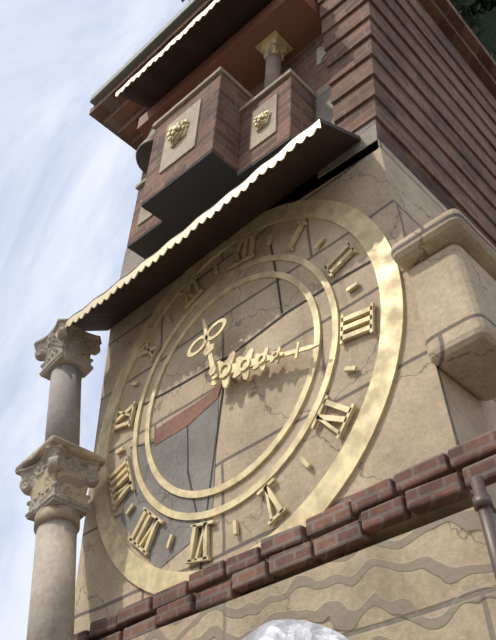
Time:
**11:16**
